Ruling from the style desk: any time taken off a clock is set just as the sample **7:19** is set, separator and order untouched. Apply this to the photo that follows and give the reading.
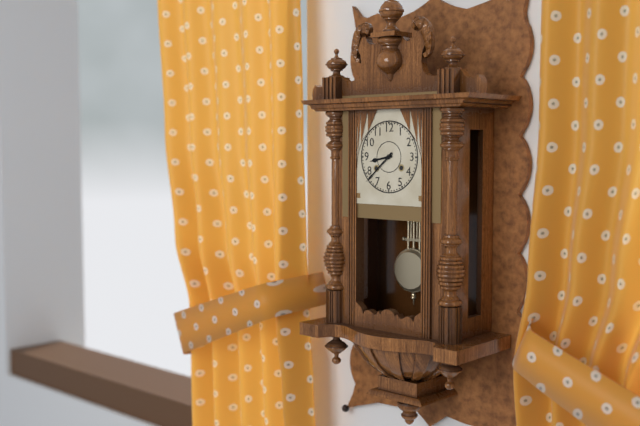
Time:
**8:38**
